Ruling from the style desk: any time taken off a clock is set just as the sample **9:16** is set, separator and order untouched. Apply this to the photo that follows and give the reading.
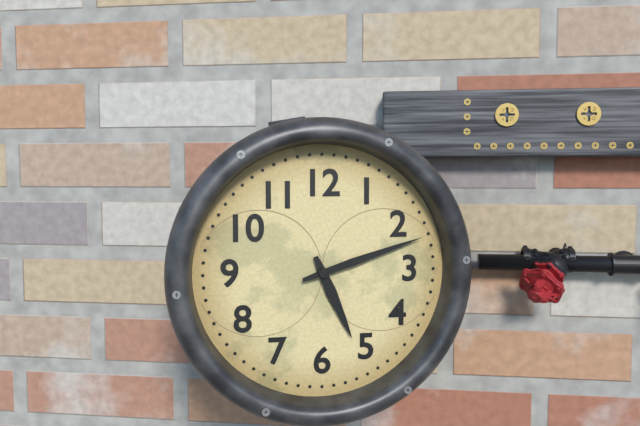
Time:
**5:12**
